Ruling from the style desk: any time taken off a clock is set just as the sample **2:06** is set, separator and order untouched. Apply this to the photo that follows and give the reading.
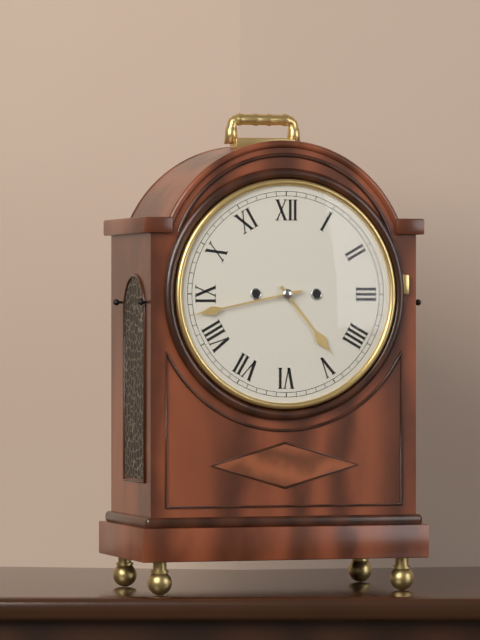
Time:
**4:43**
